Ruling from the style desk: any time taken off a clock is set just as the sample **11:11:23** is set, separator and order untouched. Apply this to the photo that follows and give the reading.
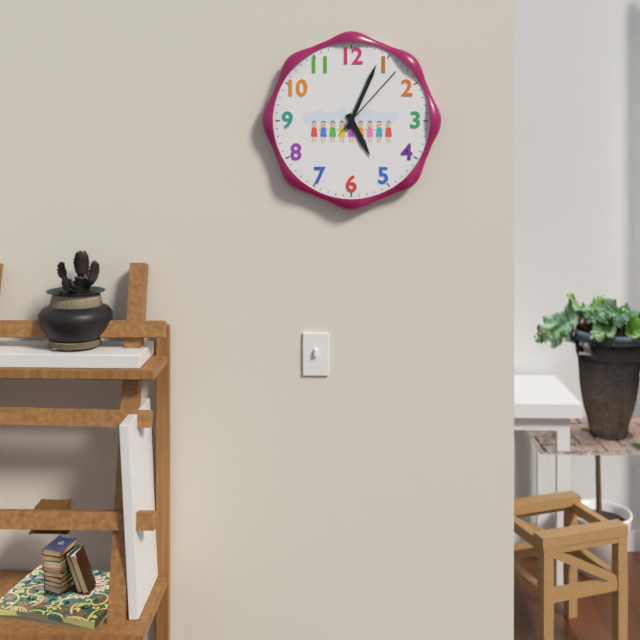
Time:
**5:04:07**
